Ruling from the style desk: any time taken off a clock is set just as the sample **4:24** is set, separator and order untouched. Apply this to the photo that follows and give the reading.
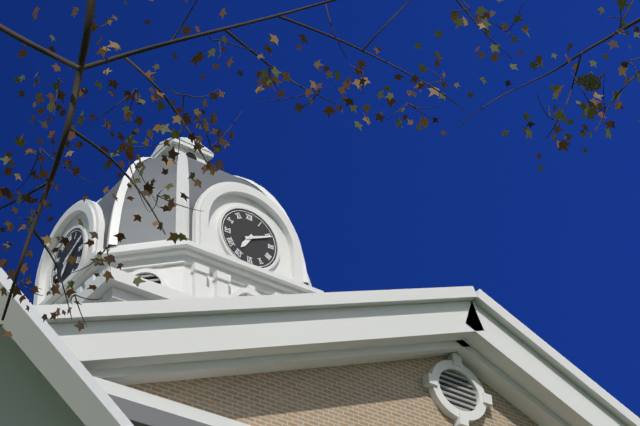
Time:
**7:11**
